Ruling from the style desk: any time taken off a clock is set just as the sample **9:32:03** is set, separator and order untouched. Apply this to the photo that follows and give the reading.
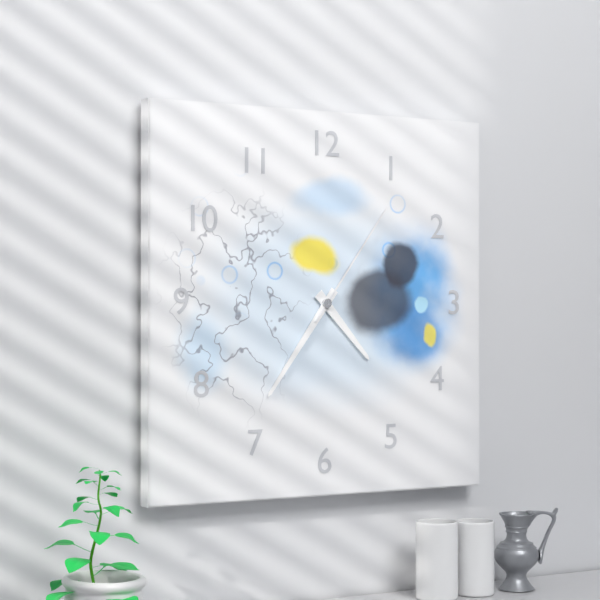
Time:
**4:36:06**
